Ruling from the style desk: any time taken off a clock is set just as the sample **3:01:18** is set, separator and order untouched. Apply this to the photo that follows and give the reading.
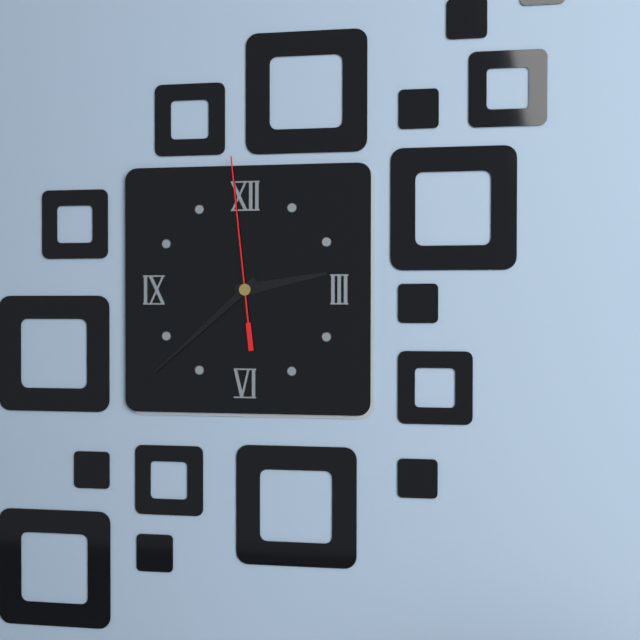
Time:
**2:38:59**
